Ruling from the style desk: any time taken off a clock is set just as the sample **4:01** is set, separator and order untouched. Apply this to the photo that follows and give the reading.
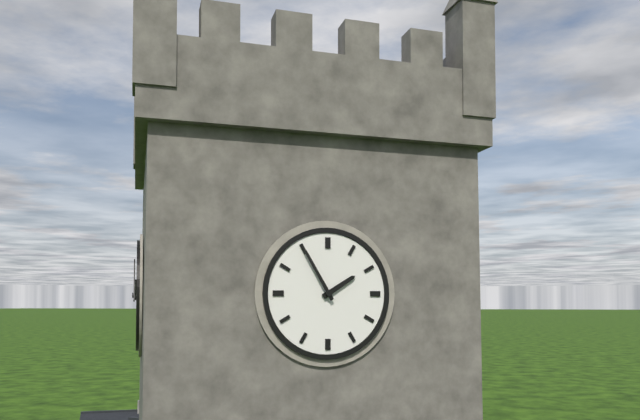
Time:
**1:55**
